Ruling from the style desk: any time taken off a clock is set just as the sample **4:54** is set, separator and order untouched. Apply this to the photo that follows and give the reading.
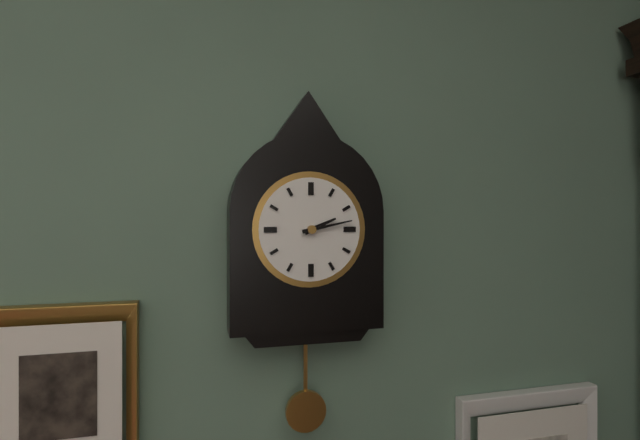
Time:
**2:13**
